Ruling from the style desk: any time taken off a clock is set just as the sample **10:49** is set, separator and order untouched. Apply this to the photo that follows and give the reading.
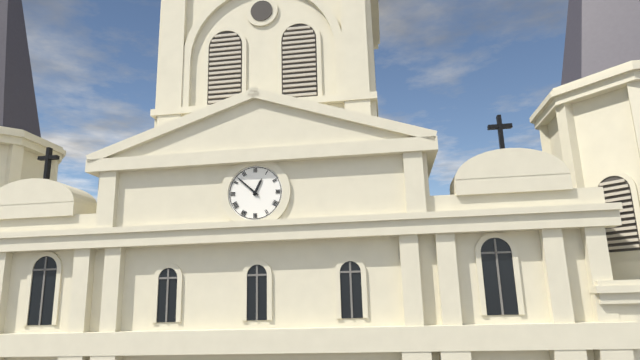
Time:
**12:52**
